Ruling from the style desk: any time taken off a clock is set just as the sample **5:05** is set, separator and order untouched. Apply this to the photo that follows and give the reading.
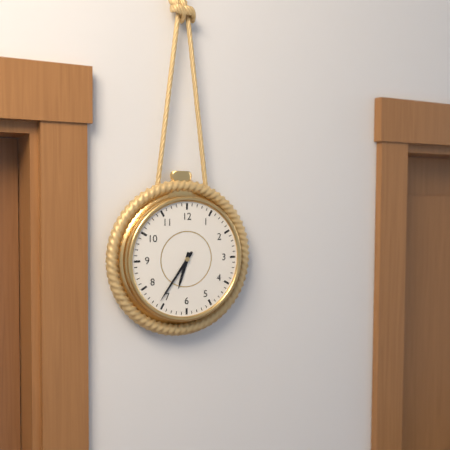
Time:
**6:36**
